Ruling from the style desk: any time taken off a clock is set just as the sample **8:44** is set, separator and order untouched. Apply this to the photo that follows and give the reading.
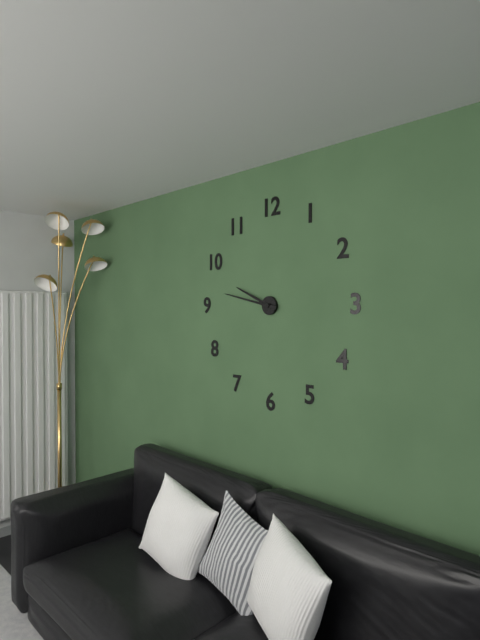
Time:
**9:47**
